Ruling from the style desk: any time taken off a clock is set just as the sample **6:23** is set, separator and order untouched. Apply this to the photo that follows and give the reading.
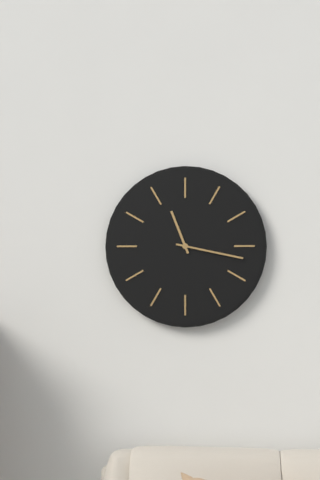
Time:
**11:17**
